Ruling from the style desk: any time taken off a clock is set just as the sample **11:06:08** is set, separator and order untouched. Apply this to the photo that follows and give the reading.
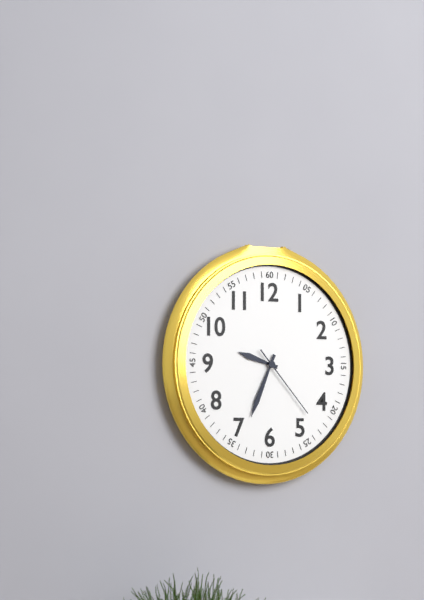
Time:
**9:34:23**
